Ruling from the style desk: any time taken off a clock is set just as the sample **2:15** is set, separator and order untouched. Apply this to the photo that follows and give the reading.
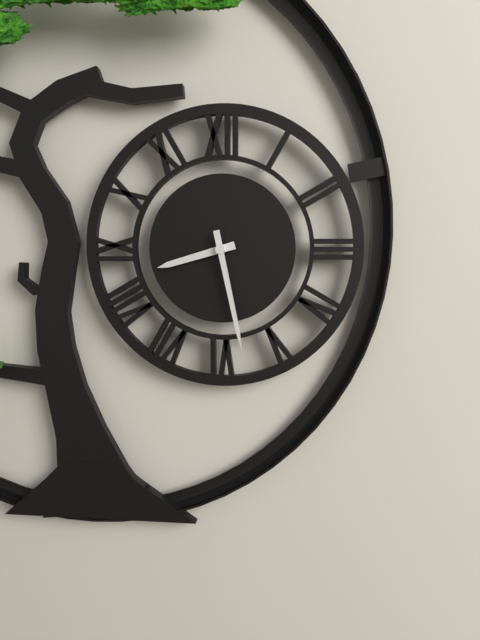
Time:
**8:28**
